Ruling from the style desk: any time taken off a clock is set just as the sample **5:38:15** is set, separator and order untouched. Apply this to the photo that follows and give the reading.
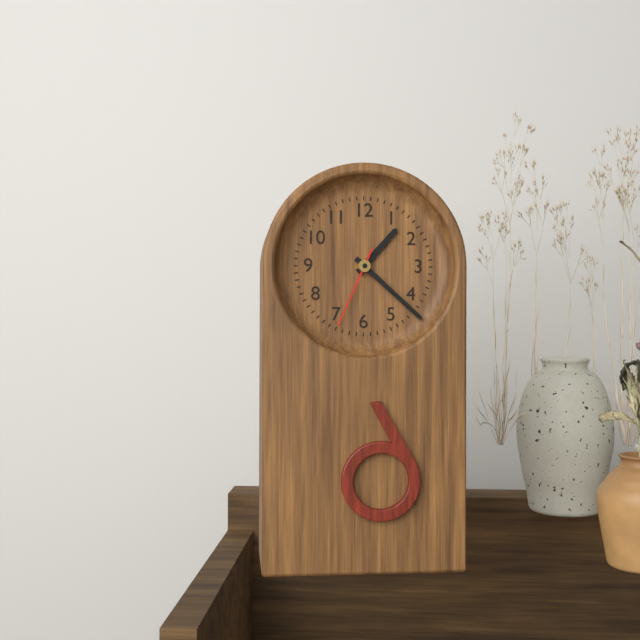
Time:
**1:22:34**
